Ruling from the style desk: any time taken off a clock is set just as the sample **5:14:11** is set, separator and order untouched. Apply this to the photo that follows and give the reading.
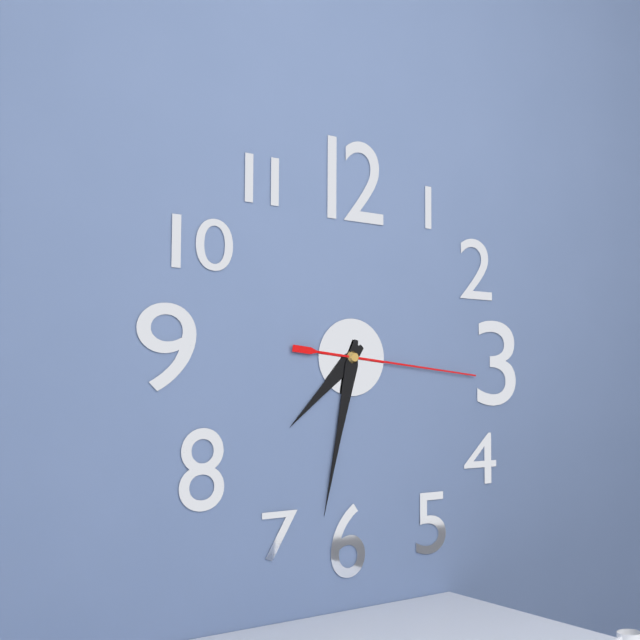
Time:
**7:32:16**
